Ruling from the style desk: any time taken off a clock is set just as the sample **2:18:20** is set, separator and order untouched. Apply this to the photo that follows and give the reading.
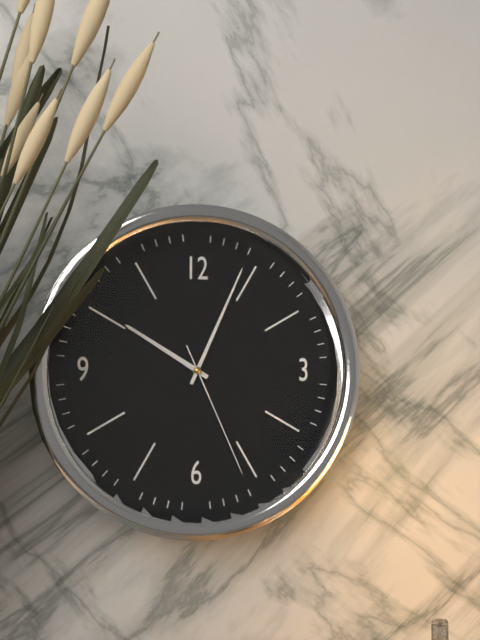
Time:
**10:04:26**
